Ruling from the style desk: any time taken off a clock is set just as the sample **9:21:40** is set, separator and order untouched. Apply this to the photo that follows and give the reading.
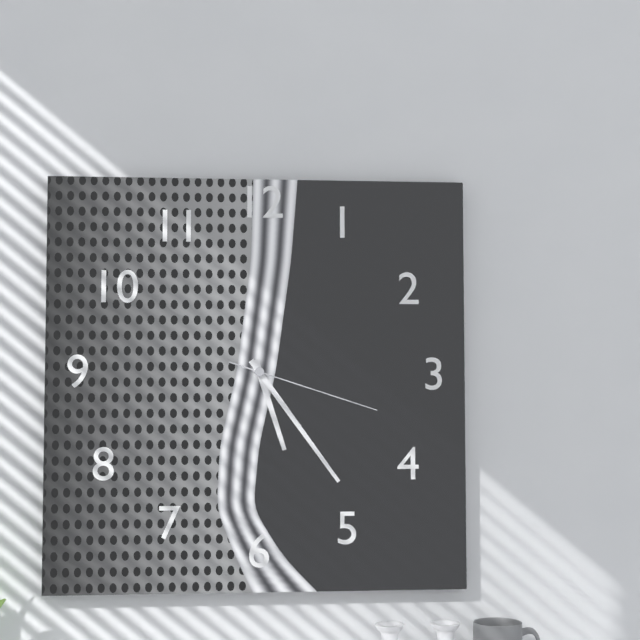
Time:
**5:24:18**
